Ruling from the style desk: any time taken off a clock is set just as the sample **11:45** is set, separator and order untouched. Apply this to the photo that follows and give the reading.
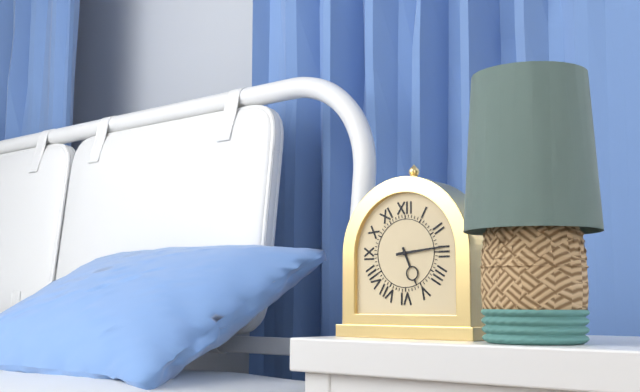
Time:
**5:14**
